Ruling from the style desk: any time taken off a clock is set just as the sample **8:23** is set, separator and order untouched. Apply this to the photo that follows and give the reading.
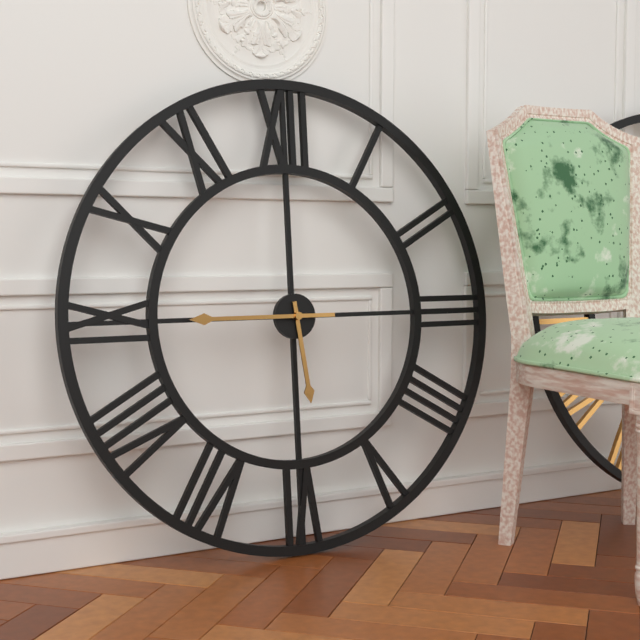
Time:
**5:45**
